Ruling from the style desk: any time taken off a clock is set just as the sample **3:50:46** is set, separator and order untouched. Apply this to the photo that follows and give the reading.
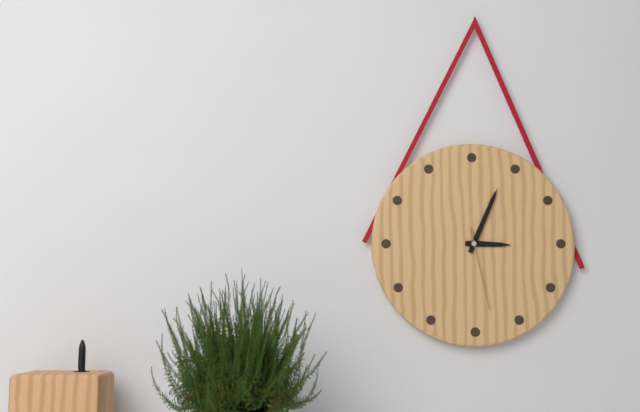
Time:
**3:04:28**
